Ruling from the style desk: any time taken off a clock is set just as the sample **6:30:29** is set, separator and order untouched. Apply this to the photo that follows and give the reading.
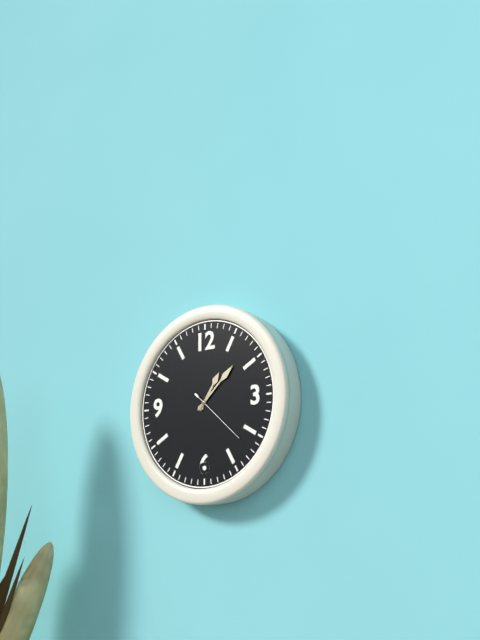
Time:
**1:08:22**
